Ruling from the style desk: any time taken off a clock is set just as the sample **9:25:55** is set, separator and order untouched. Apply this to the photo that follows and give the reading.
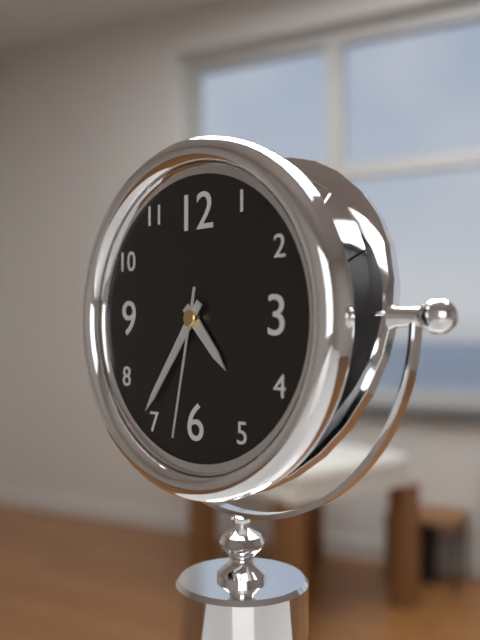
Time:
**4:36:32**
